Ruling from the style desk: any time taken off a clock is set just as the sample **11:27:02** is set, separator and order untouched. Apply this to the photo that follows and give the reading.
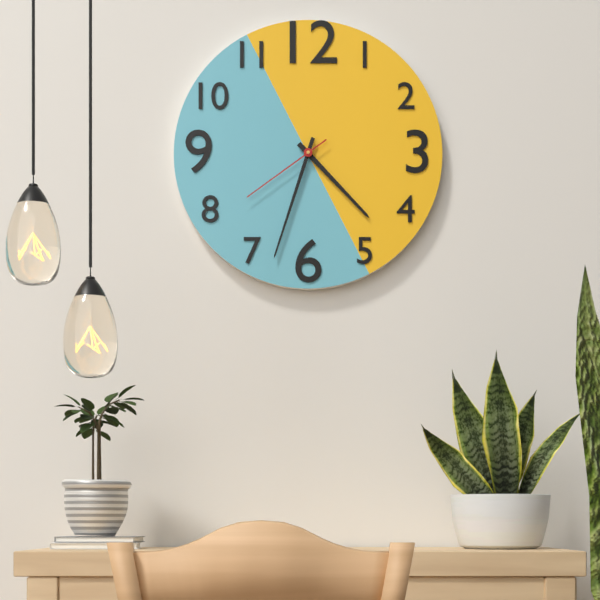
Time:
**4:33:39**
